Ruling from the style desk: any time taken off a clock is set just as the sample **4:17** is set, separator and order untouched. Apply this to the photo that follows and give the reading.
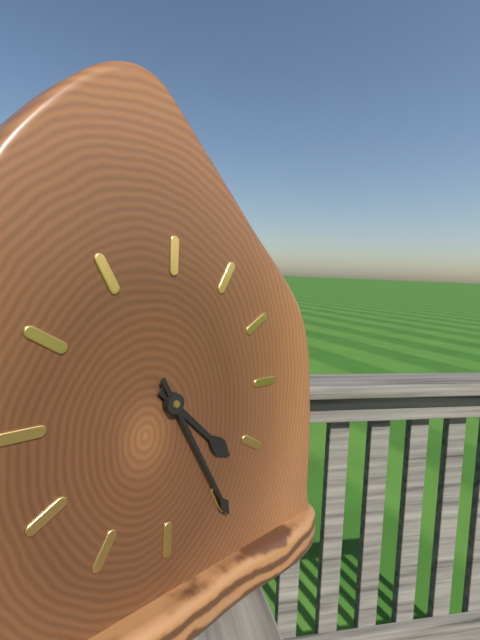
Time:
**4:25**
